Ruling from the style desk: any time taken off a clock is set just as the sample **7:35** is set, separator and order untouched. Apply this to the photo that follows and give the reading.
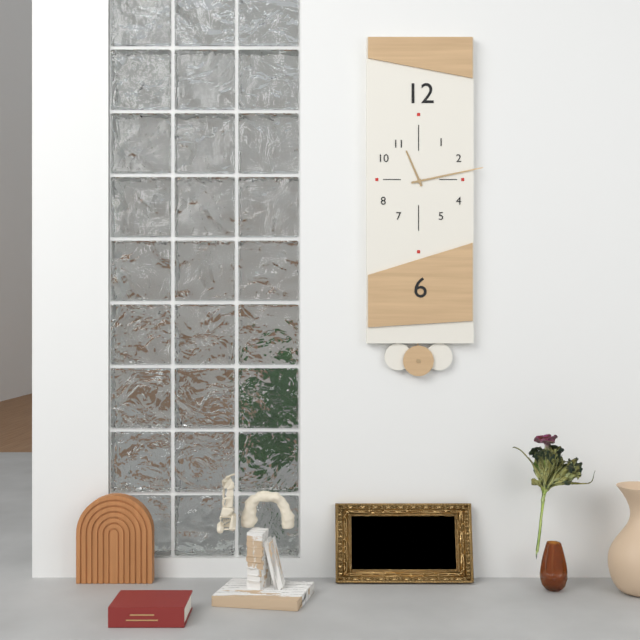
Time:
**11:13**
